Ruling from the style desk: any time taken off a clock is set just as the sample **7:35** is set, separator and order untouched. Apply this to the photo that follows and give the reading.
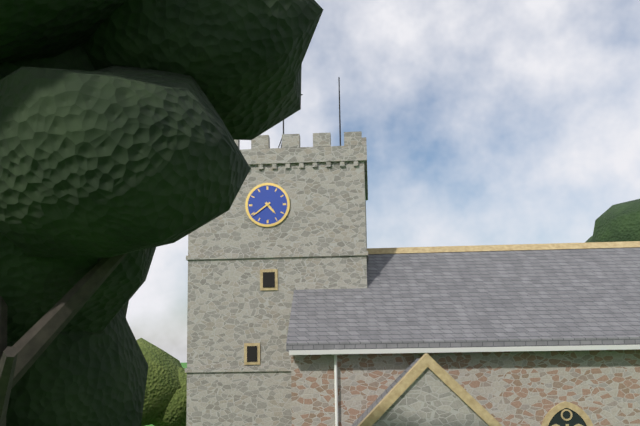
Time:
**4:39**
